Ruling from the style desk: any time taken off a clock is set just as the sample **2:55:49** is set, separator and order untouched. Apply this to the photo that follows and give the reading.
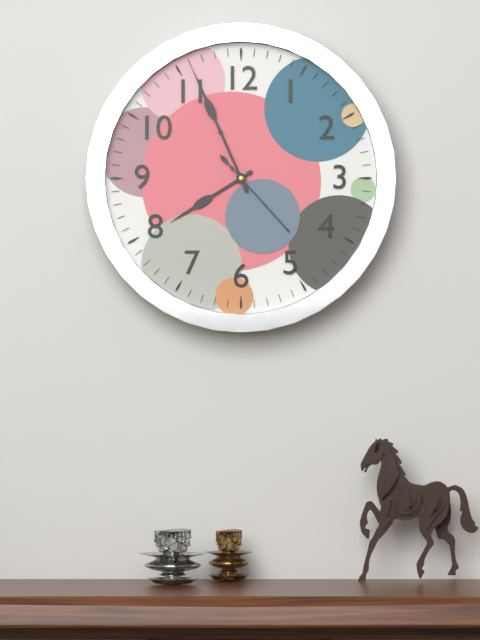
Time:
**7:56:23**
